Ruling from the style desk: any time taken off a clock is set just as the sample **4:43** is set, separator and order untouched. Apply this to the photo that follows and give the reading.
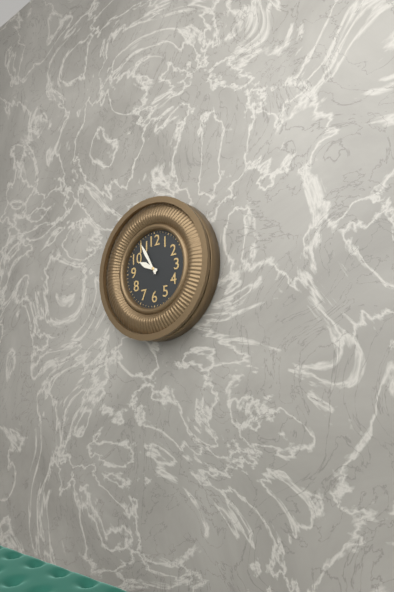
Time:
**9:55**
